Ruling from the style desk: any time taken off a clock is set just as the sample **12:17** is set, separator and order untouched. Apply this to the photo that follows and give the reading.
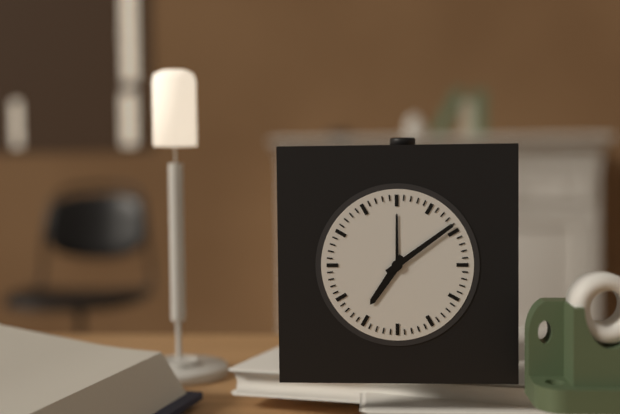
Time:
**7:09**
